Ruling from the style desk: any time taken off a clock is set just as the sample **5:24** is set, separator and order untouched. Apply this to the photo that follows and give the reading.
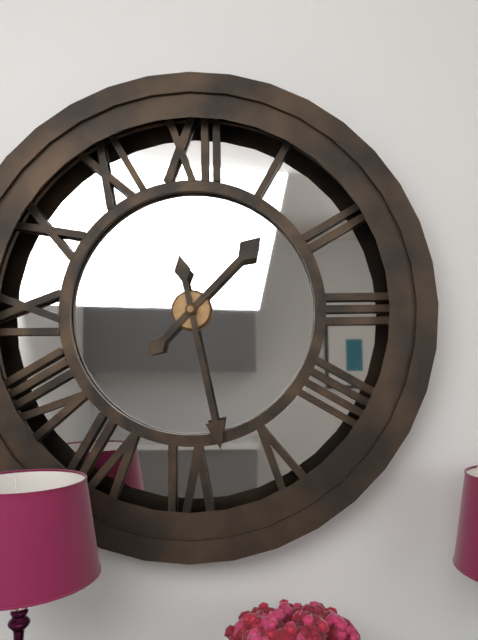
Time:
**1:28**
